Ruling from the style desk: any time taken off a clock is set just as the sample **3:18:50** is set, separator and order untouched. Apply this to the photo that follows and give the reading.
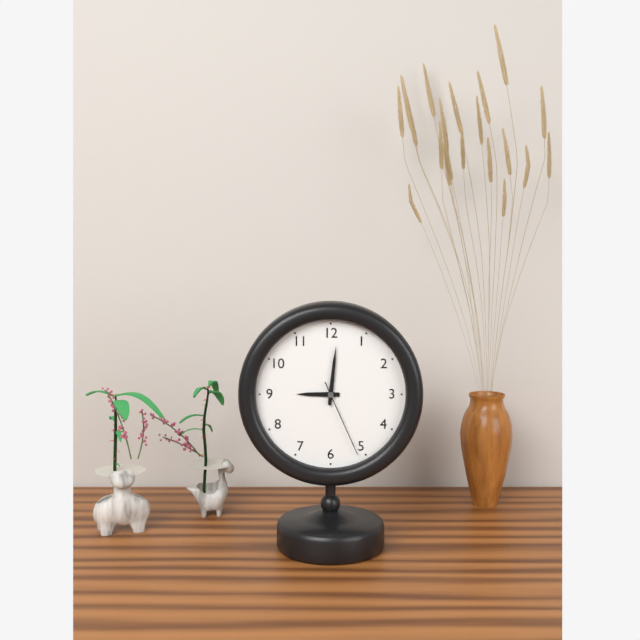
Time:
**9:01:26**
